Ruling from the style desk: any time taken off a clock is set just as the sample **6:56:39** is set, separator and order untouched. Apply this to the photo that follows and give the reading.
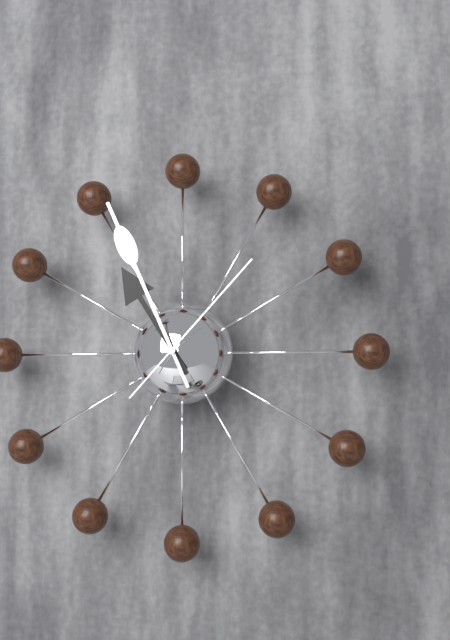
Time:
**10:56:07**
